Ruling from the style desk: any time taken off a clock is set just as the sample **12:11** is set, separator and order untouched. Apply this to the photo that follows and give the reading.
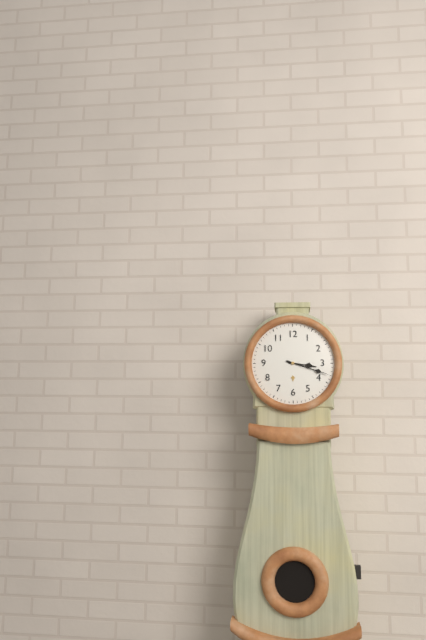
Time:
**3:18**
